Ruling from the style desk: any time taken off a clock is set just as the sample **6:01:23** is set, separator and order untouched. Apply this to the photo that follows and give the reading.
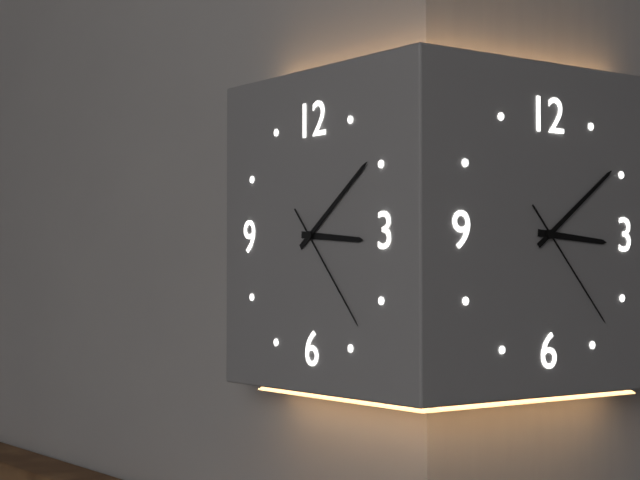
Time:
**3:09:23**
